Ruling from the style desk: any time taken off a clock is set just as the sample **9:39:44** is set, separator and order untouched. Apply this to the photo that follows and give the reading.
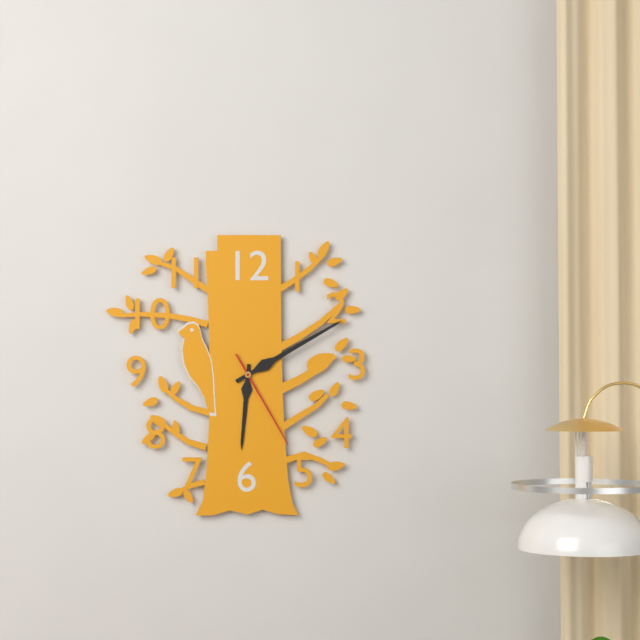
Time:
**6:10:25**
